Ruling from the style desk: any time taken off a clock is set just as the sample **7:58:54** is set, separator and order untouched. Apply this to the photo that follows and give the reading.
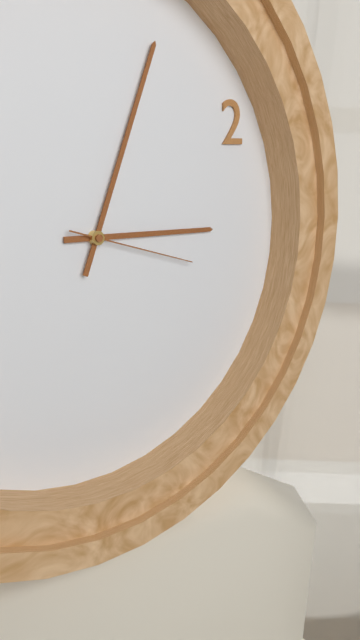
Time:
**3:04:18**
